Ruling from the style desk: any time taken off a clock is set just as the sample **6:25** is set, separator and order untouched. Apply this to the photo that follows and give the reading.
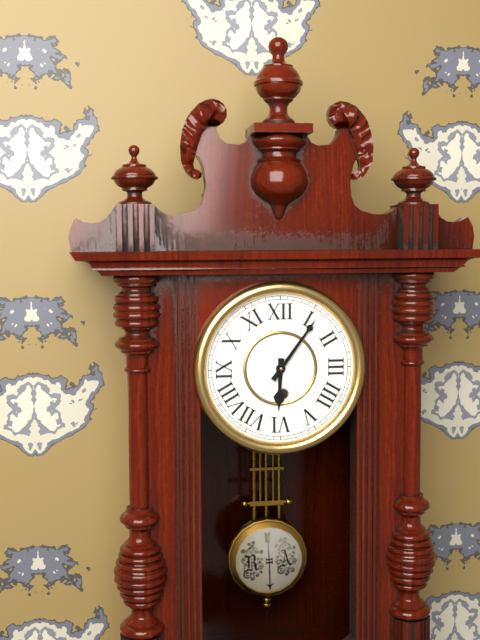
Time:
**6:06**
